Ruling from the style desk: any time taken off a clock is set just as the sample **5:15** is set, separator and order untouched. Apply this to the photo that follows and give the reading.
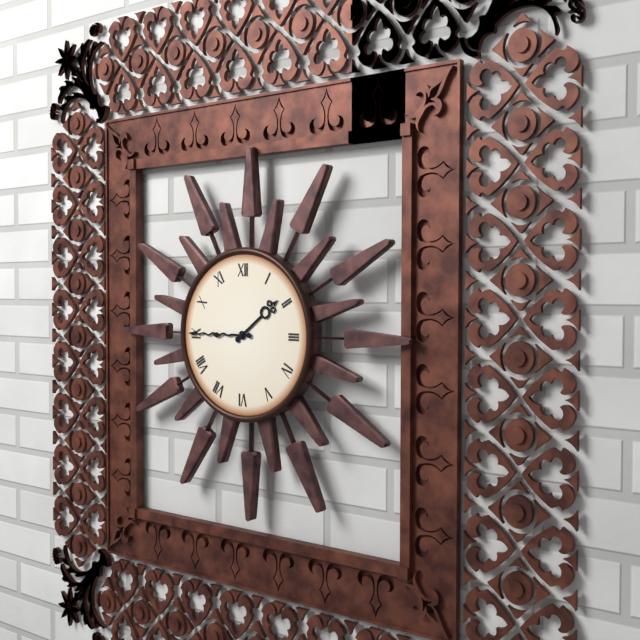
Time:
**1:45**
